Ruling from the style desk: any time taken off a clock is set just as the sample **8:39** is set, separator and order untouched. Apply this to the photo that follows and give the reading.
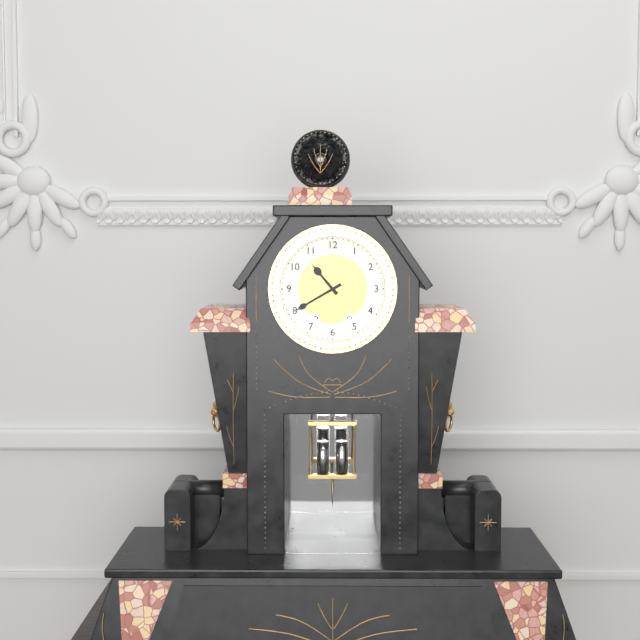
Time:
**10:40**
